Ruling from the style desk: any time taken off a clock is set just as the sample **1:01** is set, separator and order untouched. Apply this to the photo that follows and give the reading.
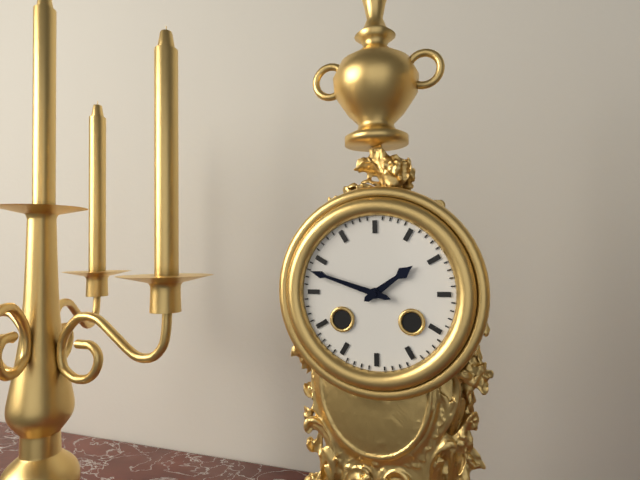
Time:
**1:48**
